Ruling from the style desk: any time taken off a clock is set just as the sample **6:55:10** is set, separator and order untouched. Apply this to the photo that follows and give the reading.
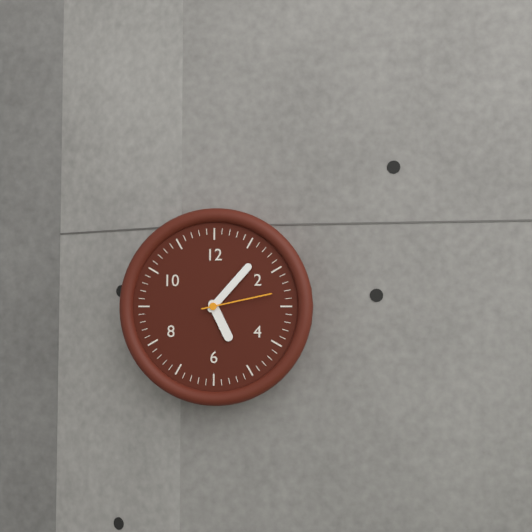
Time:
**5:07:13**
